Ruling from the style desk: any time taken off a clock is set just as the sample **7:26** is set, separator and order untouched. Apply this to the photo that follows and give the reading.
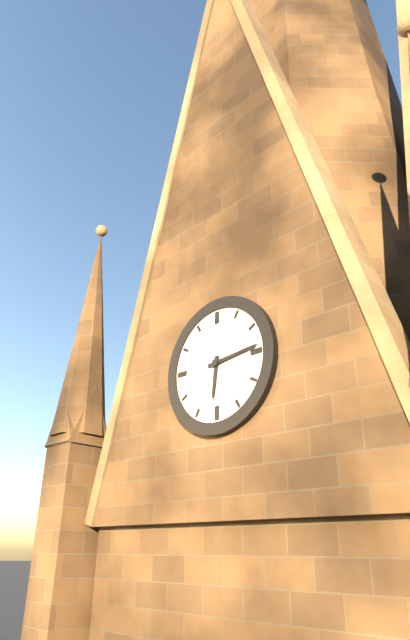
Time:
**6:14**
